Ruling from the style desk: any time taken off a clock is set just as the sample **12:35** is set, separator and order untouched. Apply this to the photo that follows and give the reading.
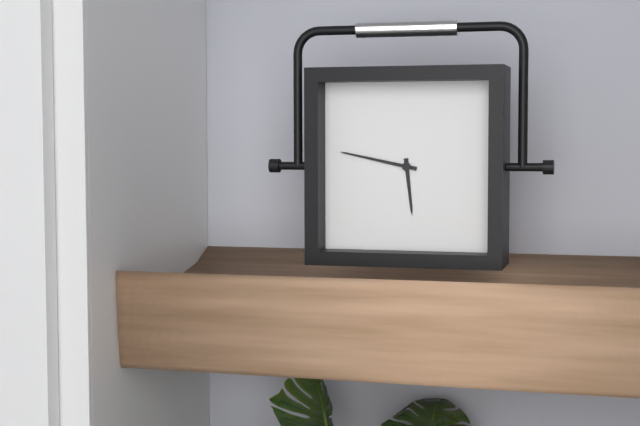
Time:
**5:47**
